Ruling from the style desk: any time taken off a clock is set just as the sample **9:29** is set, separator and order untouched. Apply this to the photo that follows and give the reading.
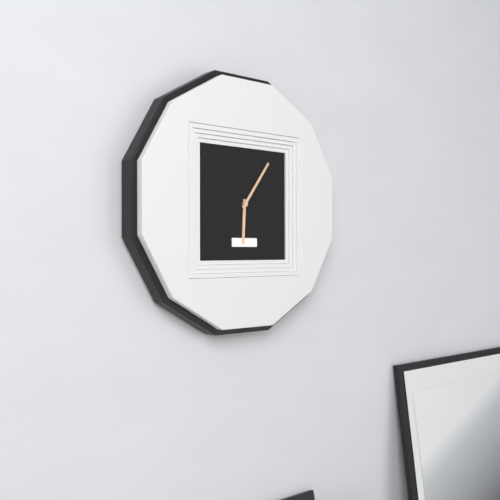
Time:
**6:06**
